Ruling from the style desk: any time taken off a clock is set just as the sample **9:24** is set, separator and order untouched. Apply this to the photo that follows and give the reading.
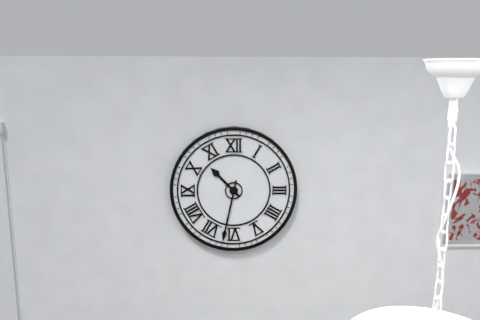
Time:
**10:32**
